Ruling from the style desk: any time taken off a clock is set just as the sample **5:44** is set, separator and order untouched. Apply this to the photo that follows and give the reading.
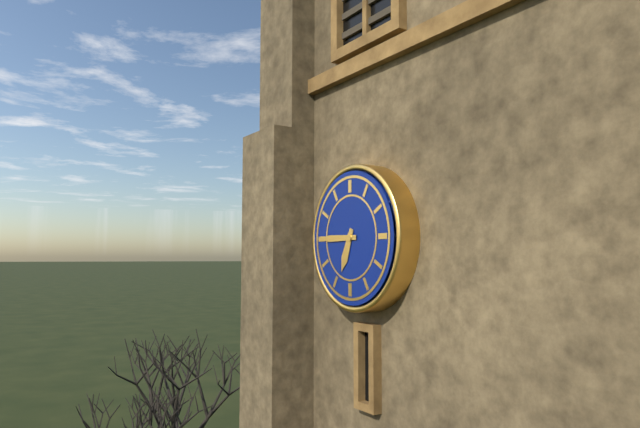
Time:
**6:45**
